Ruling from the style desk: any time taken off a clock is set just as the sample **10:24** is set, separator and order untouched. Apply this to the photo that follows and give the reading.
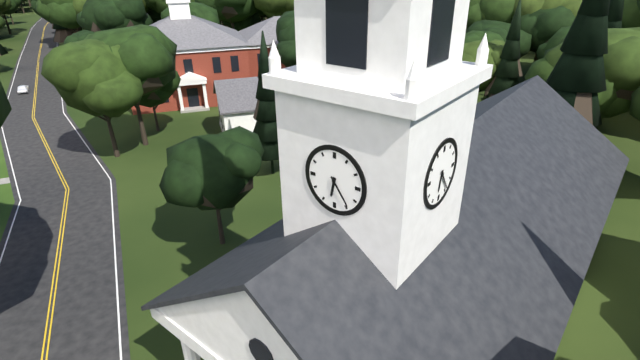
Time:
**6:24**
